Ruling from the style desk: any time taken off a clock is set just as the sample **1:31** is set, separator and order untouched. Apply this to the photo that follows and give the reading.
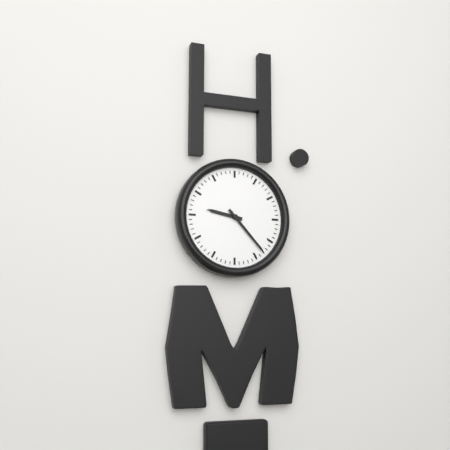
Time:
**9:23**
